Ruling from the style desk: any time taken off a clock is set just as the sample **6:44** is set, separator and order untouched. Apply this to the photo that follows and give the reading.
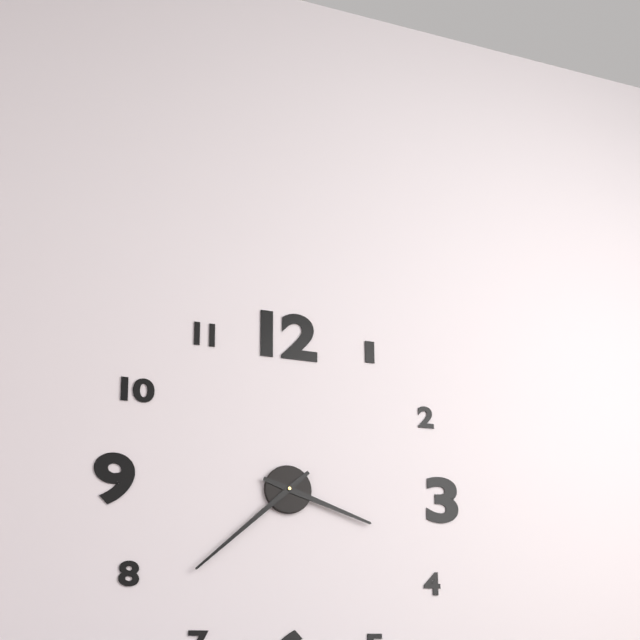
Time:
**3:38**
